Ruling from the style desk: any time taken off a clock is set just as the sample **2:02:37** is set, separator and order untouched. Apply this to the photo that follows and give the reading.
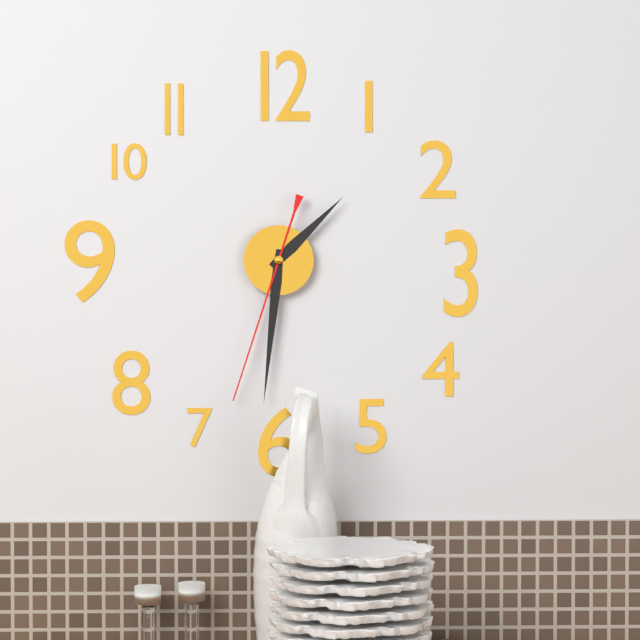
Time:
**1:31:33**
